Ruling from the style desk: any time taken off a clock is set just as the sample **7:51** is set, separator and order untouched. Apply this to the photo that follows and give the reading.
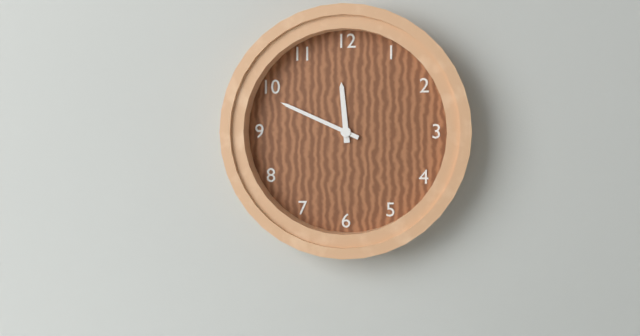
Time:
**11:49**
